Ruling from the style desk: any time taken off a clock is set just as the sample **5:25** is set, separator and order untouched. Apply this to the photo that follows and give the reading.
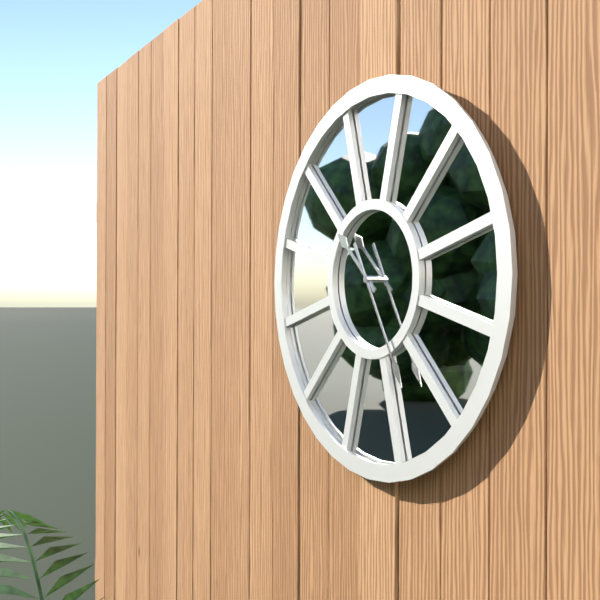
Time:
**10:25**
